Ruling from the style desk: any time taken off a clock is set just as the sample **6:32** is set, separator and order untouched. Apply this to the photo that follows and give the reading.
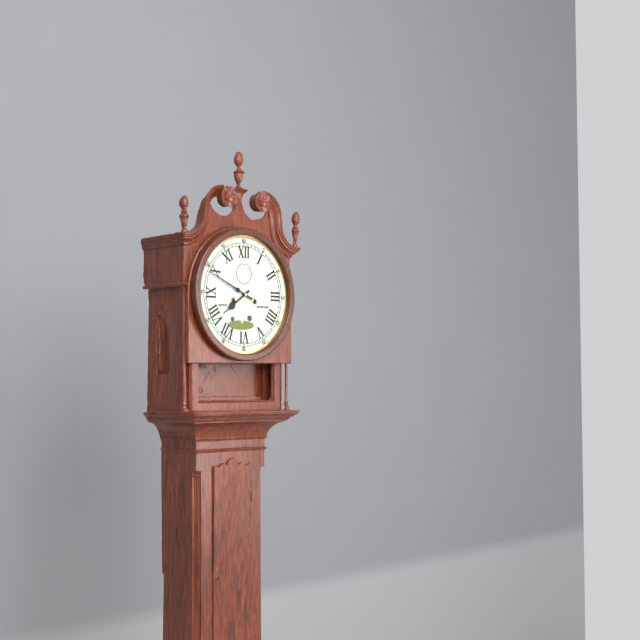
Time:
**7:49**
